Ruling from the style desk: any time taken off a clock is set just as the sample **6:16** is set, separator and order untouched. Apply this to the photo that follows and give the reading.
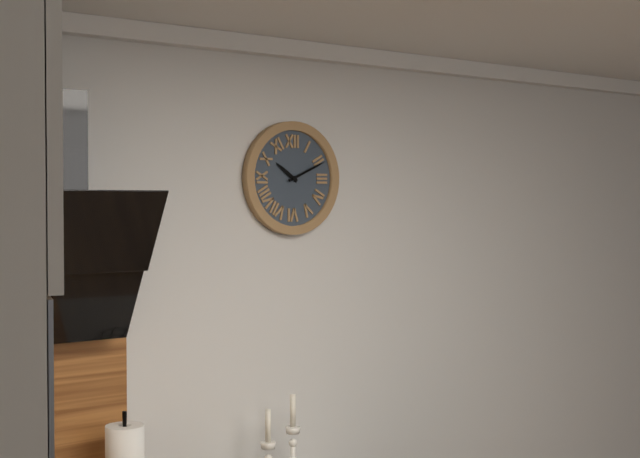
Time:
**10:11**
